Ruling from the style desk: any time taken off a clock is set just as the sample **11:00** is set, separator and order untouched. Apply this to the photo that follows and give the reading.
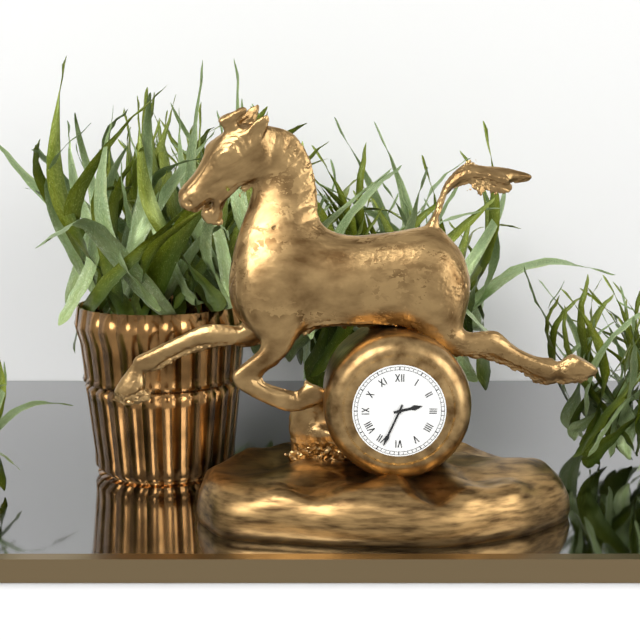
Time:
**2:34**
